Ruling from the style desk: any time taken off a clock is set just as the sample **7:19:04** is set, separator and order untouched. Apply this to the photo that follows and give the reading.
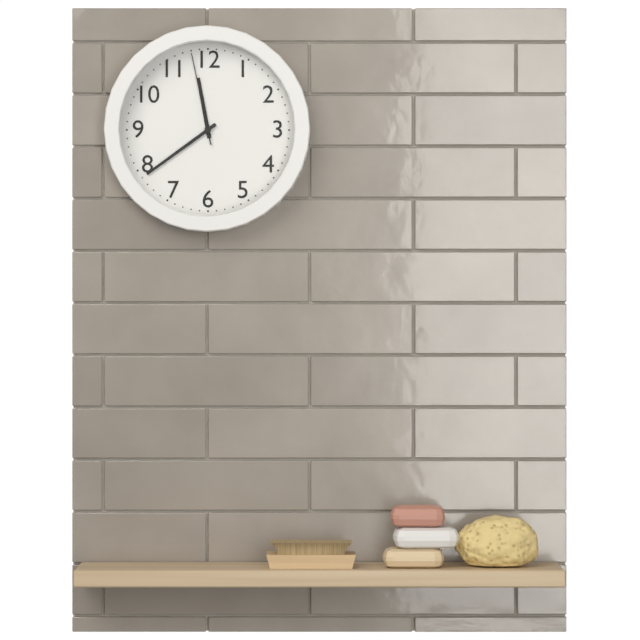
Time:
**11:39:58**
